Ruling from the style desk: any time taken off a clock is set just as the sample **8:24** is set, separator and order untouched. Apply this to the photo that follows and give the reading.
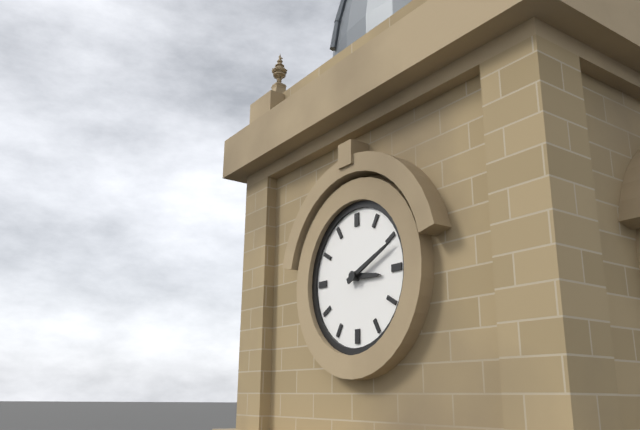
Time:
**3:11**
